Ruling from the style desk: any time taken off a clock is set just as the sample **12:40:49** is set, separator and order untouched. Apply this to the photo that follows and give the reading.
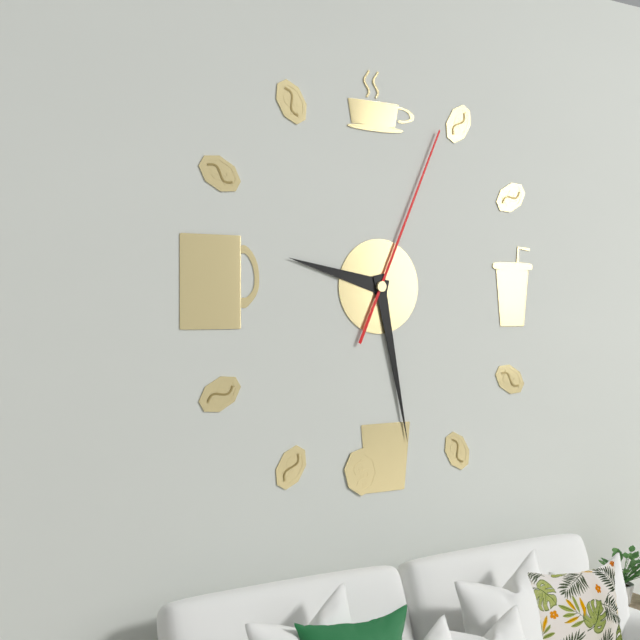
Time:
**9:28:04**
